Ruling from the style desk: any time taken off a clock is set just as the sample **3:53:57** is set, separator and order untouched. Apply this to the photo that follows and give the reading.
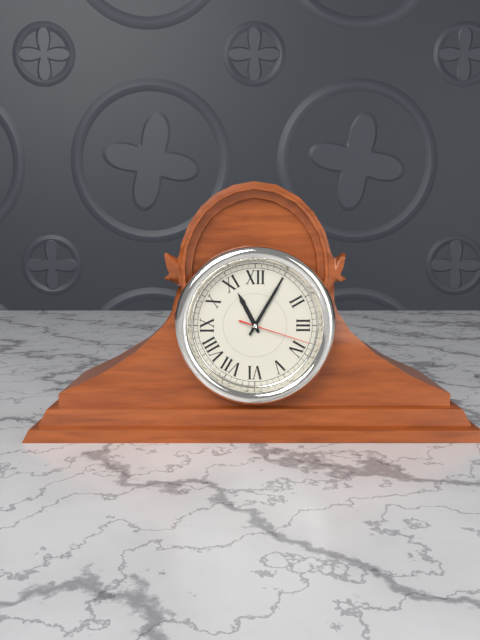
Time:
**11:05:18**
